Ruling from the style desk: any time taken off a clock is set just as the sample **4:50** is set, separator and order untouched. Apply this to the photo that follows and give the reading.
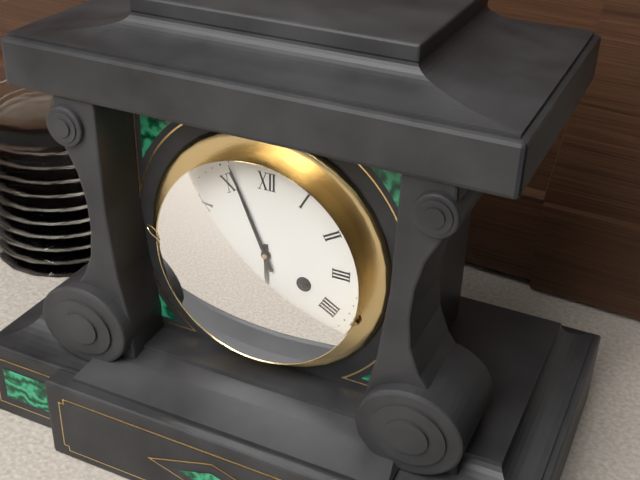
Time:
**5:56**
